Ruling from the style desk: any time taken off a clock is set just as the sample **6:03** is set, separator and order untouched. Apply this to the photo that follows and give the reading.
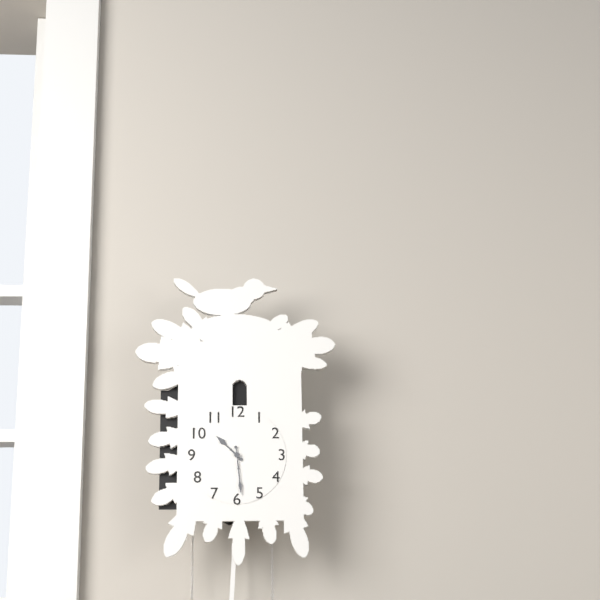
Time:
**10:29**
